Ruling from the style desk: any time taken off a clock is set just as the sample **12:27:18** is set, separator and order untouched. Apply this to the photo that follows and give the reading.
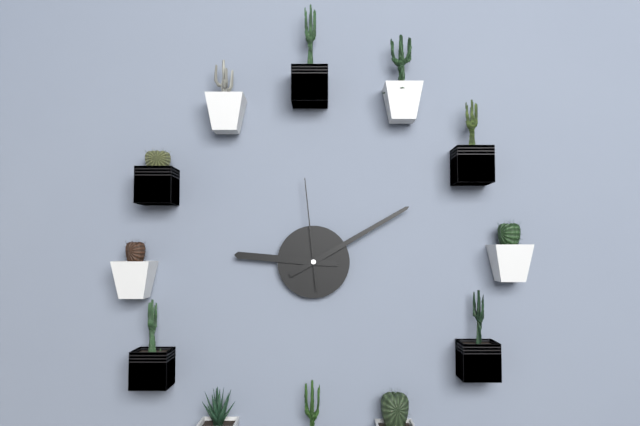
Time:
**9:10:59**
